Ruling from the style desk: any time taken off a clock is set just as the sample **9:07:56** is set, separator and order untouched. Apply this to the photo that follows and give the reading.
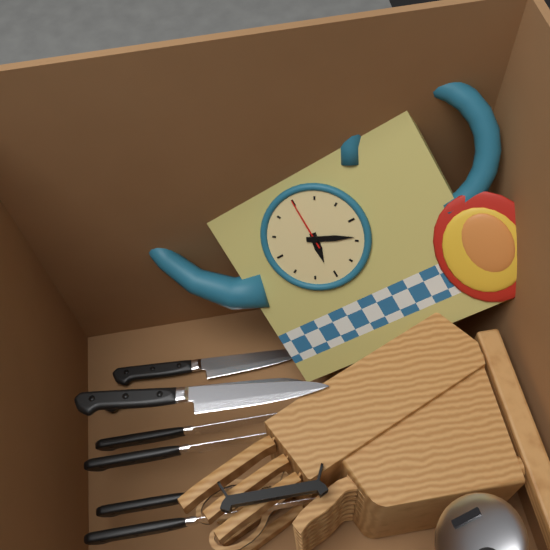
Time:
**6:19:00**
